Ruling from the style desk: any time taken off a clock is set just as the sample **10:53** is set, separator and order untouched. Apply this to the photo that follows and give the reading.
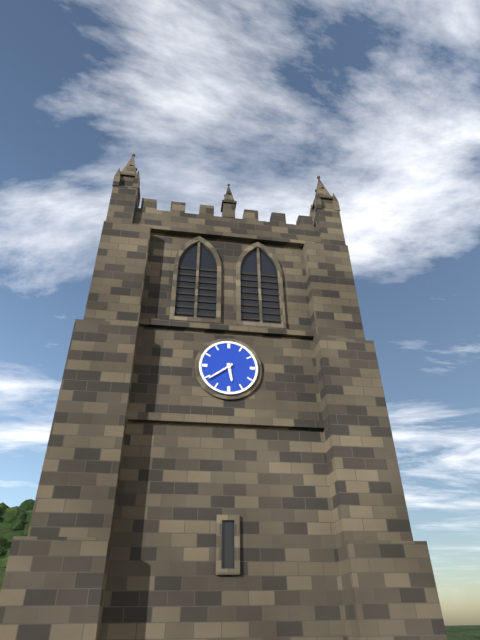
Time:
**5:39**
